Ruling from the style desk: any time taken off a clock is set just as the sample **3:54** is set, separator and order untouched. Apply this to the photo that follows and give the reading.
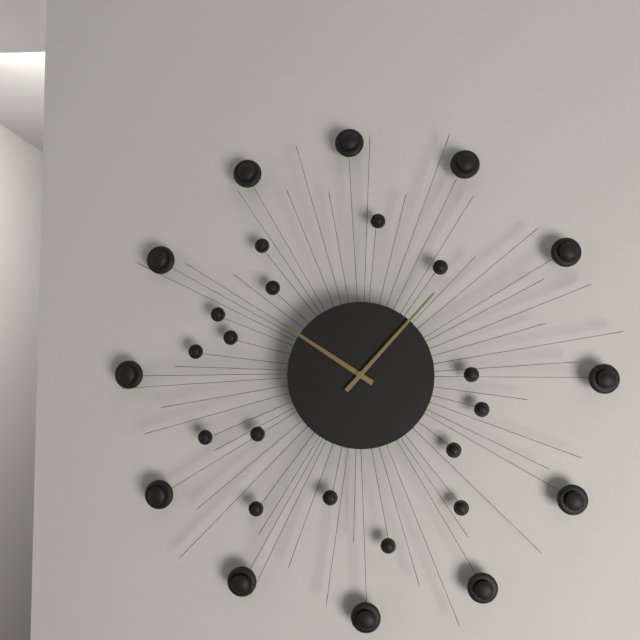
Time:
**10:07**
